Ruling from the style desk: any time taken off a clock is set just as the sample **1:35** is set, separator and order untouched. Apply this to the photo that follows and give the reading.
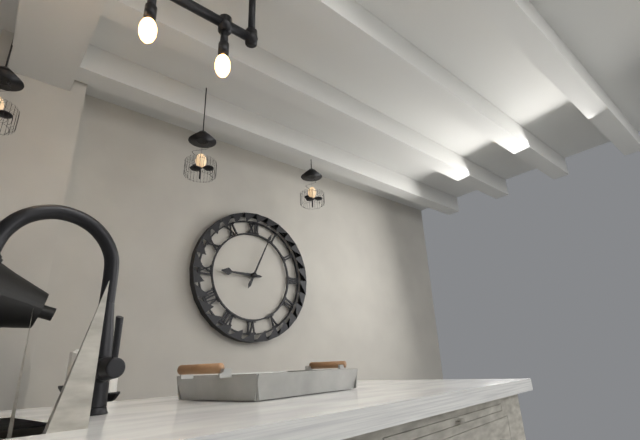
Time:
**9:04**
